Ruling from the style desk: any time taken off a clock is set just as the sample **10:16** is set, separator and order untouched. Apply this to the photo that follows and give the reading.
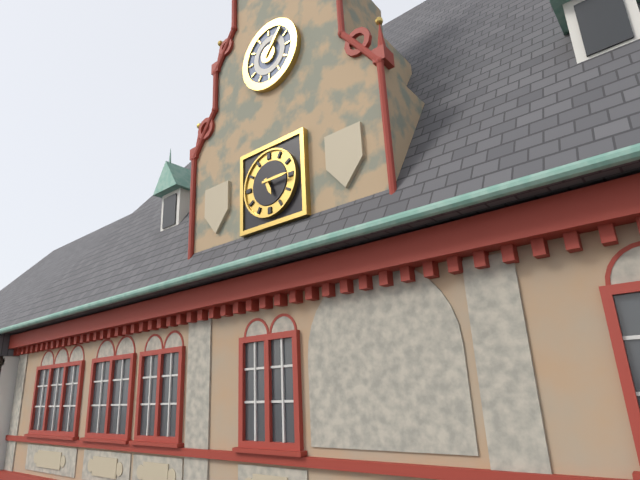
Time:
**5:15**
